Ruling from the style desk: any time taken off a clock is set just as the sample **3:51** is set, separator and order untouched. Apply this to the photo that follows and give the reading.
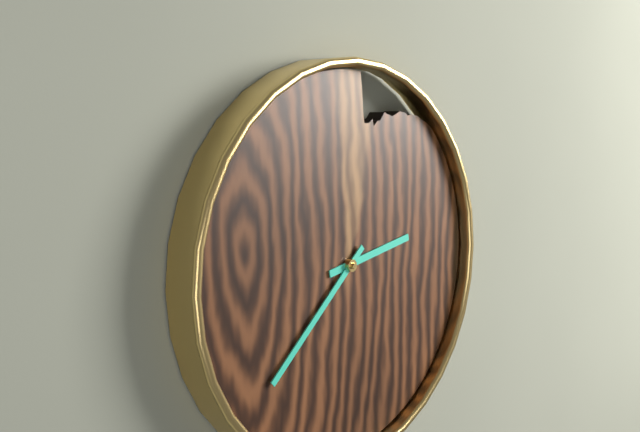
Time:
**2:38**
